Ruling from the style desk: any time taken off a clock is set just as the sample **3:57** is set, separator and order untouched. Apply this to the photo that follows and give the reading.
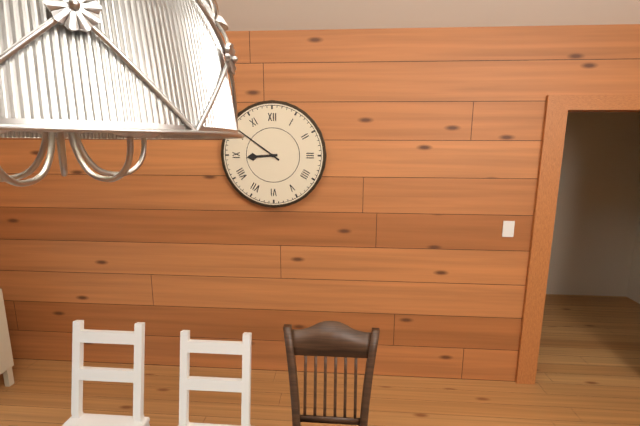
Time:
**8:51**
